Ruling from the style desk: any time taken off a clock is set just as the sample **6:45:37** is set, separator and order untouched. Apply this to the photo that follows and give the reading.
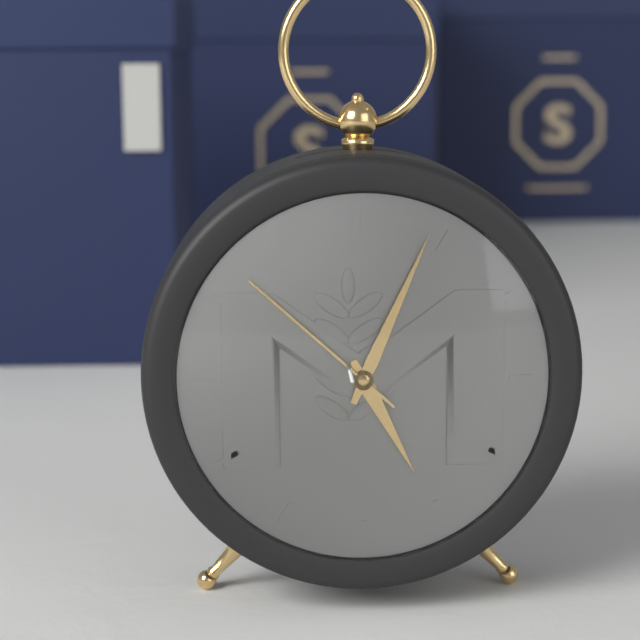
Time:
**5:04:52**
